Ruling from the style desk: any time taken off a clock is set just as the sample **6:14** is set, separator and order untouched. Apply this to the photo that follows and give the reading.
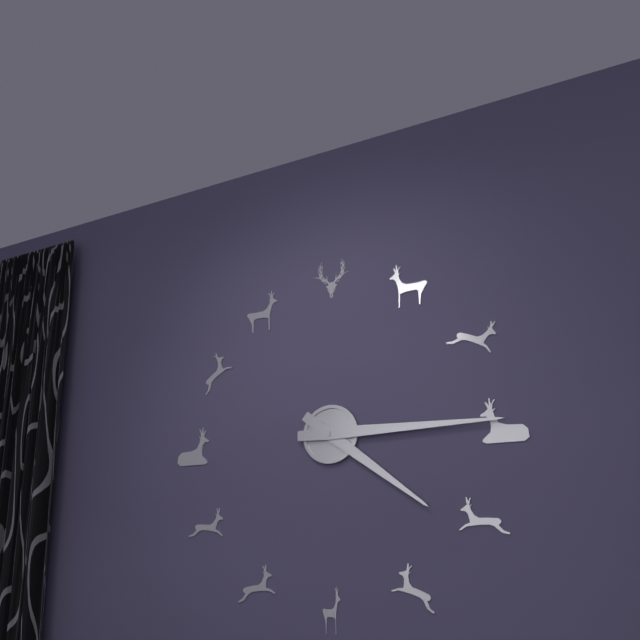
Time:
**4:15**
